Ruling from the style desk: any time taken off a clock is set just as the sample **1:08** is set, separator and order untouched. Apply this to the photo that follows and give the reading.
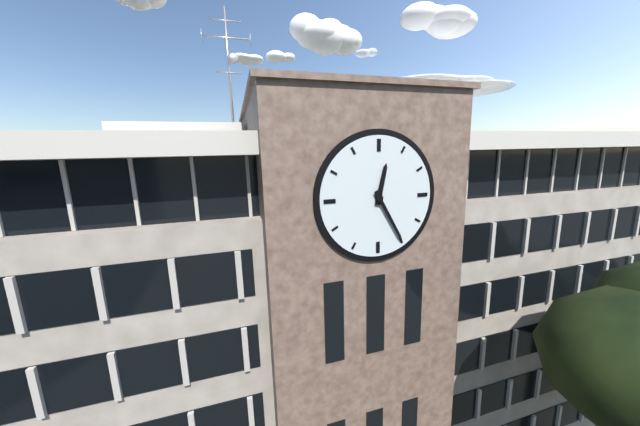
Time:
**12:25**
